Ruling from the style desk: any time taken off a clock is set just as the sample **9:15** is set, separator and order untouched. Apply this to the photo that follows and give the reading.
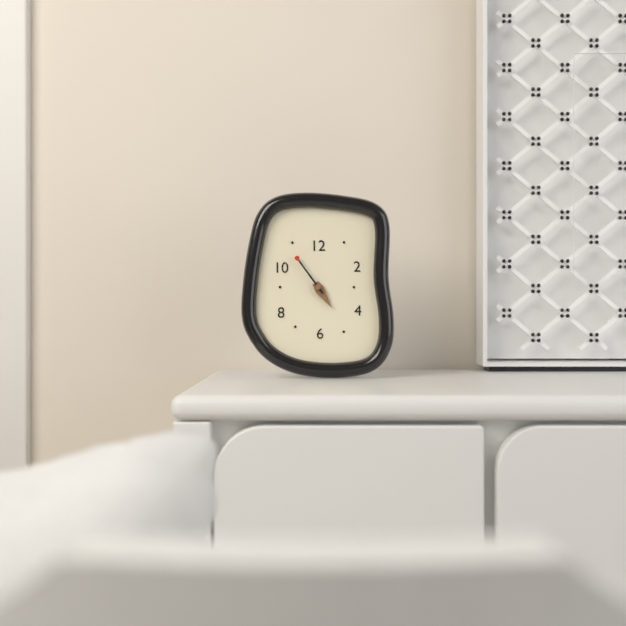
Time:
**4:54**
